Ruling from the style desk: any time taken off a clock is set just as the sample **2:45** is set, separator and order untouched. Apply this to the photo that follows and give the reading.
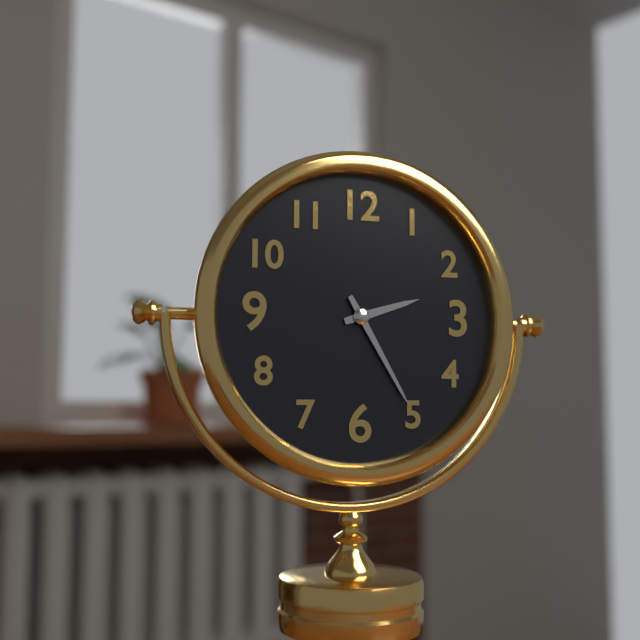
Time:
**2:25**
